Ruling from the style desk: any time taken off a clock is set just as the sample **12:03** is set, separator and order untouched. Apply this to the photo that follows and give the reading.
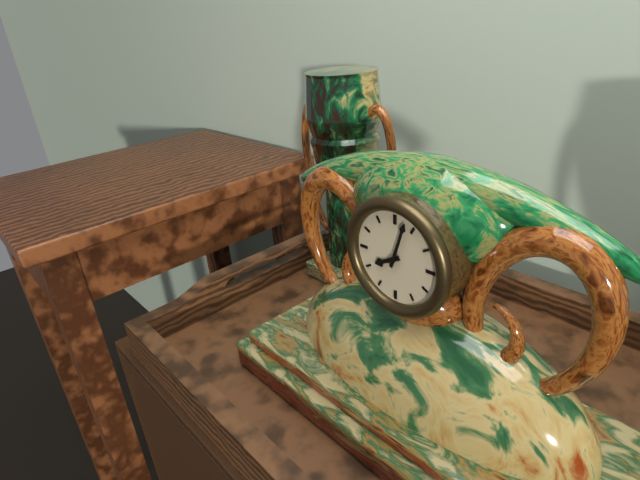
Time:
**8:03**
